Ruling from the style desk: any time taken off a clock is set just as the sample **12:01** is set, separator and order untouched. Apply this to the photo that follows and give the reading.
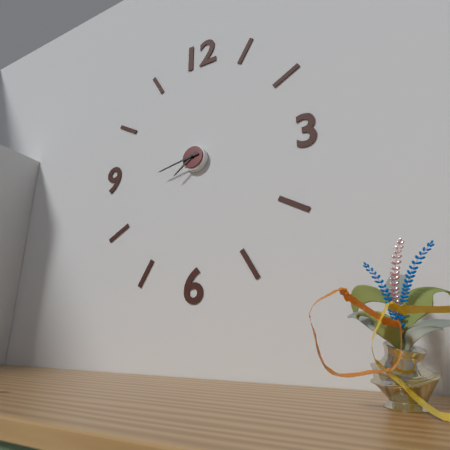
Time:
**7:43**
